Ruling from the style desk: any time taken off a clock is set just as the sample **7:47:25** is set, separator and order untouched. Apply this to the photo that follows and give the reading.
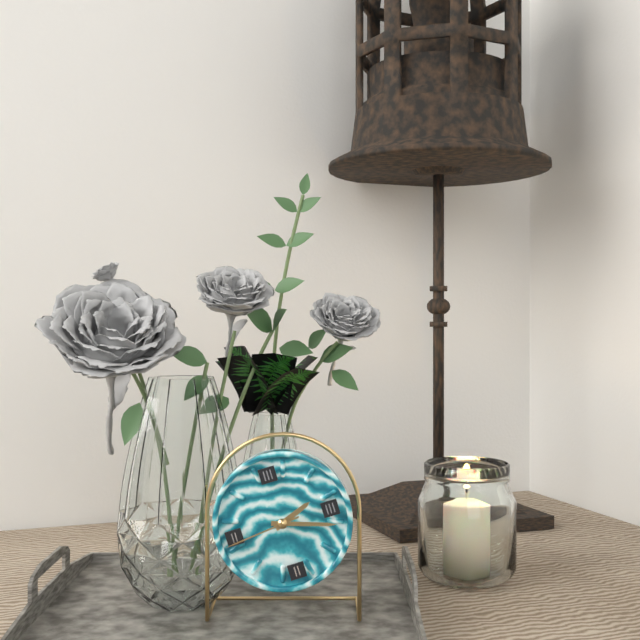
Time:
**2:18:44**
